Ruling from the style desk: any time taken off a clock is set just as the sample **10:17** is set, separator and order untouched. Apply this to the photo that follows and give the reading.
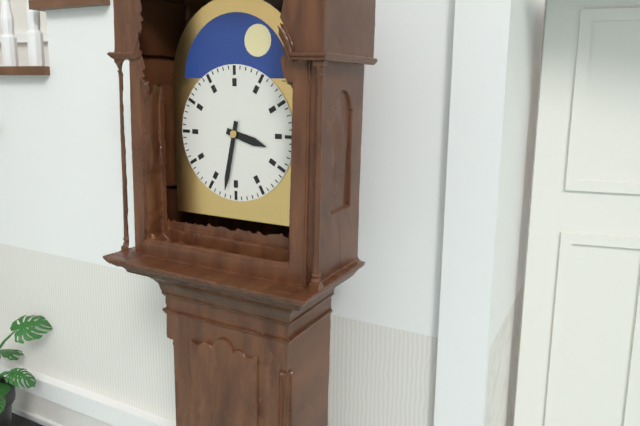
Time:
**3:32**
